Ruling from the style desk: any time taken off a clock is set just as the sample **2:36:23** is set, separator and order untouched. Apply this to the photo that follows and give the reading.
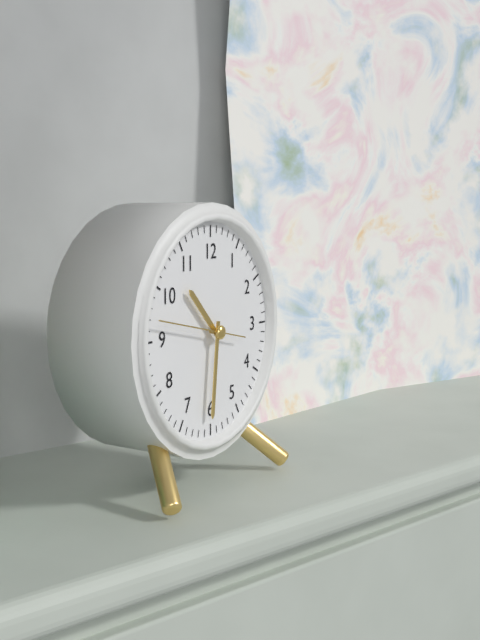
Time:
**10:31:47**
